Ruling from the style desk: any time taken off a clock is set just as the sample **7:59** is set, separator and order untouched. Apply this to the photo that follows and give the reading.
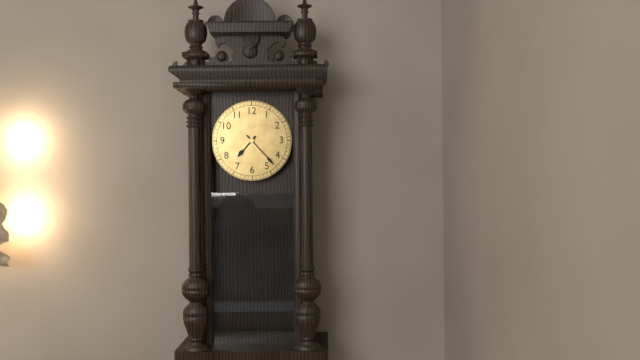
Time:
**7:23**
